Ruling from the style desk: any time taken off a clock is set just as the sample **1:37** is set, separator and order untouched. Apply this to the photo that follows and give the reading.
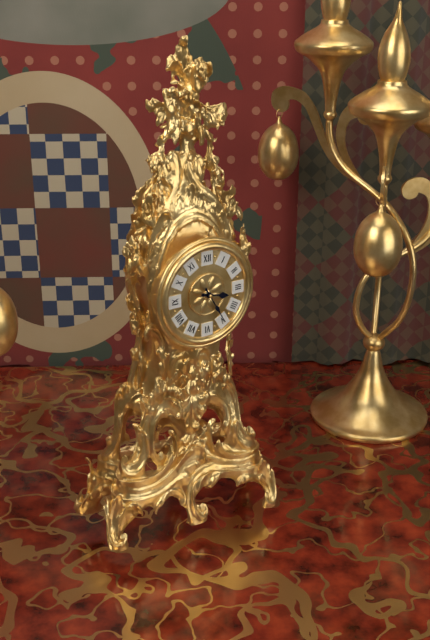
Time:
**3:25**
